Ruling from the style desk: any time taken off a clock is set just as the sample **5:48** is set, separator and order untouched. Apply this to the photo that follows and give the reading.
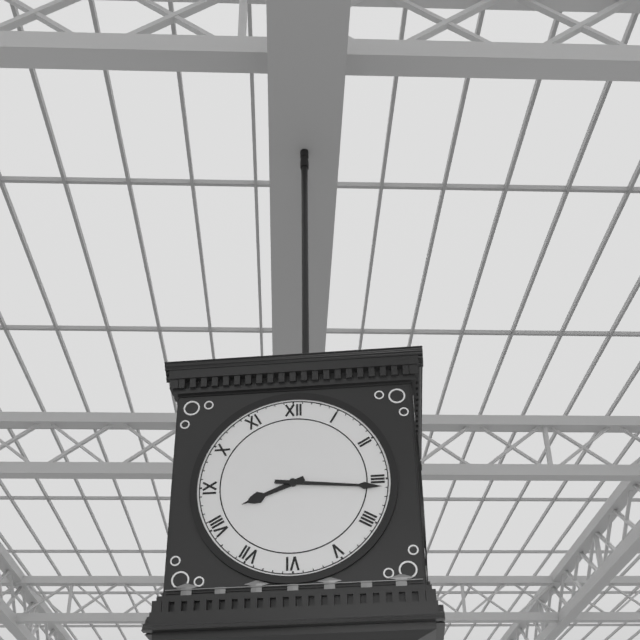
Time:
**8:16**
